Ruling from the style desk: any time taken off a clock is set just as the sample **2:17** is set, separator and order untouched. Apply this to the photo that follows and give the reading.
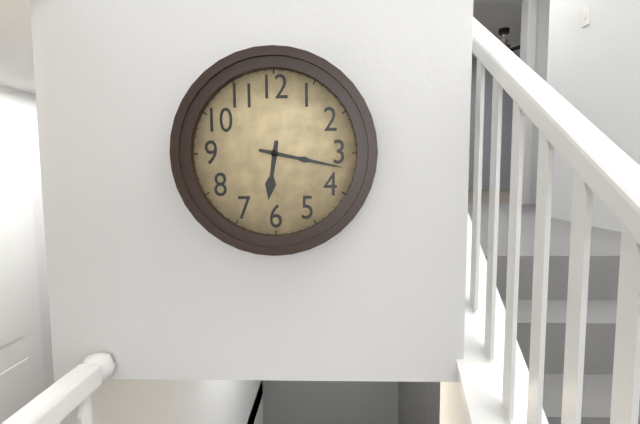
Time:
**6:17**
